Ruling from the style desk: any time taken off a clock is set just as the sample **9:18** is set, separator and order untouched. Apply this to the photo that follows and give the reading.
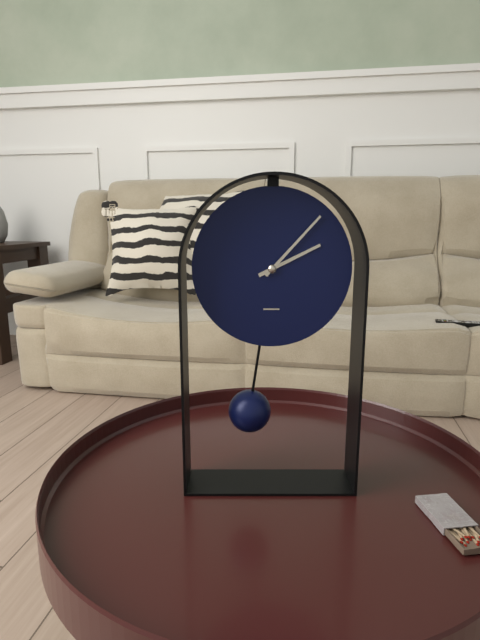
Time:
**2:07**
